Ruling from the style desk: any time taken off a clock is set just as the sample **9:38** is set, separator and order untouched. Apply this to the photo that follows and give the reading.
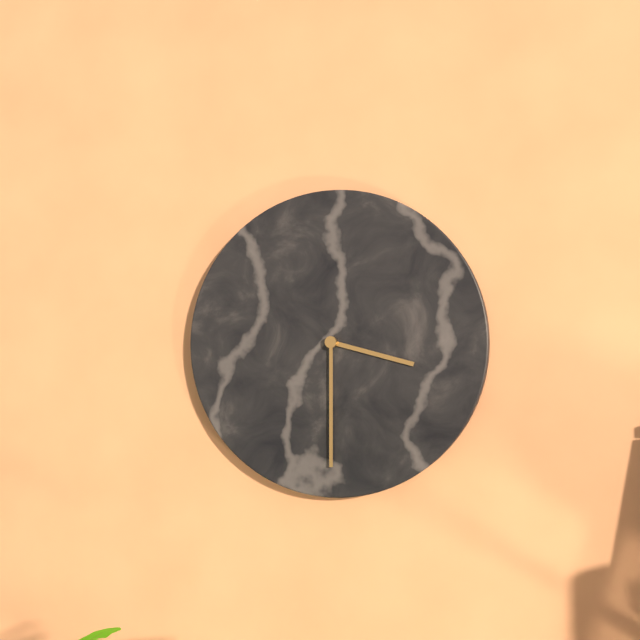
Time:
**3:30**
